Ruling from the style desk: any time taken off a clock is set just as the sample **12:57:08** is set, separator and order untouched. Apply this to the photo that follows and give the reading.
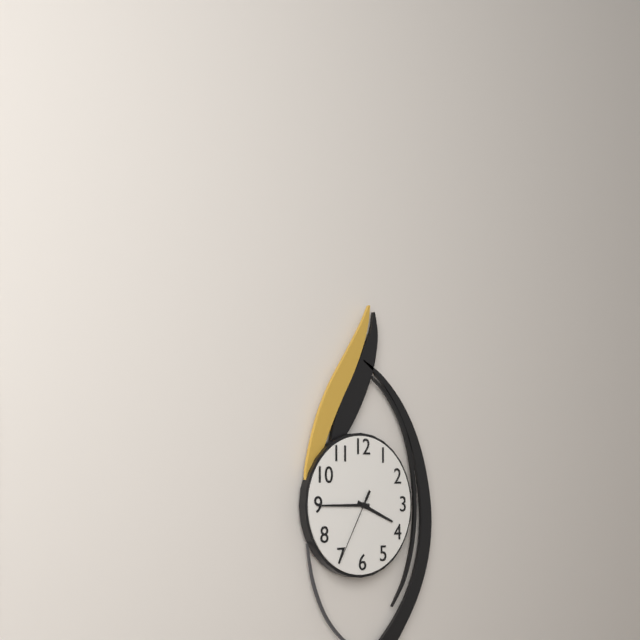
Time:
**3:45:35**
